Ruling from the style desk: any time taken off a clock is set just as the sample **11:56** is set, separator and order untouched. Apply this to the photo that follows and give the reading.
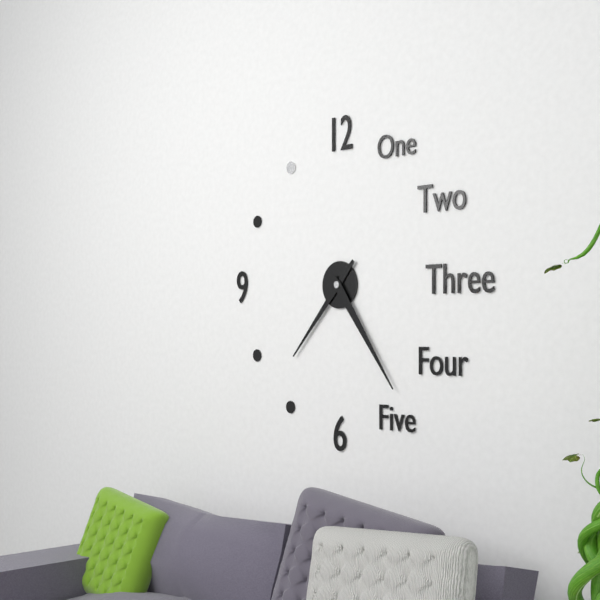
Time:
**7:24**
